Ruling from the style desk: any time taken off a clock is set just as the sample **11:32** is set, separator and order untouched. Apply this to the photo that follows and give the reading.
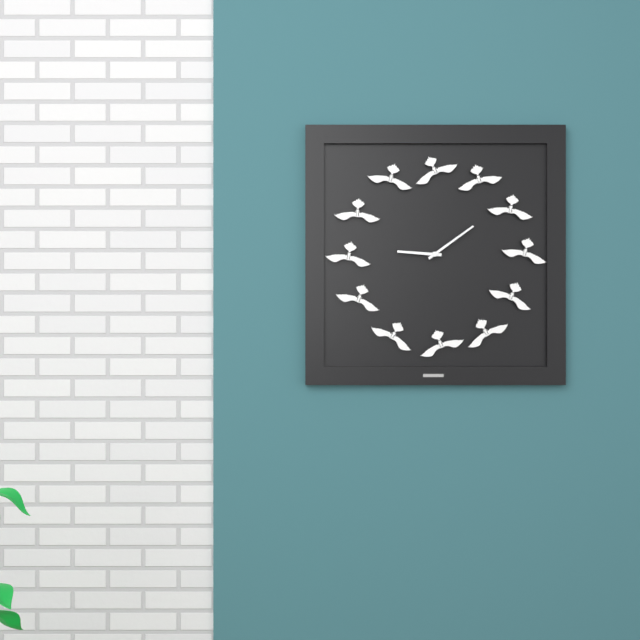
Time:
**9:09**
